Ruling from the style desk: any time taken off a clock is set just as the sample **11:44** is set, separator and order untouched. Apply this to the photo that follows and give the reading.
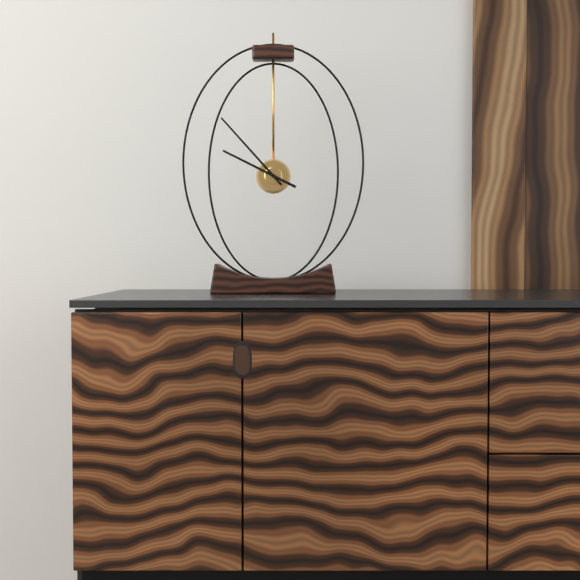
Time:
**9:53**
